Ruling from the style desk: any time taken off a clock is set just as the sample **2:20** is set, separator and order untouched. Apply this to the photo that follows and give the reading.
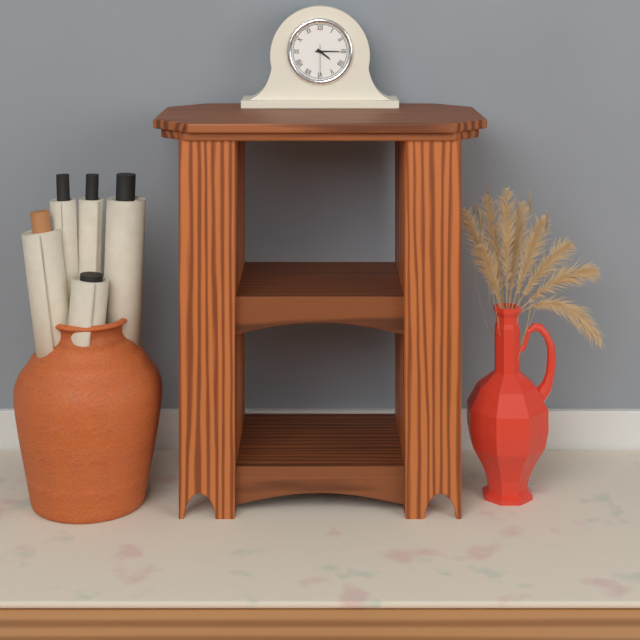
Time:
**4:15**
